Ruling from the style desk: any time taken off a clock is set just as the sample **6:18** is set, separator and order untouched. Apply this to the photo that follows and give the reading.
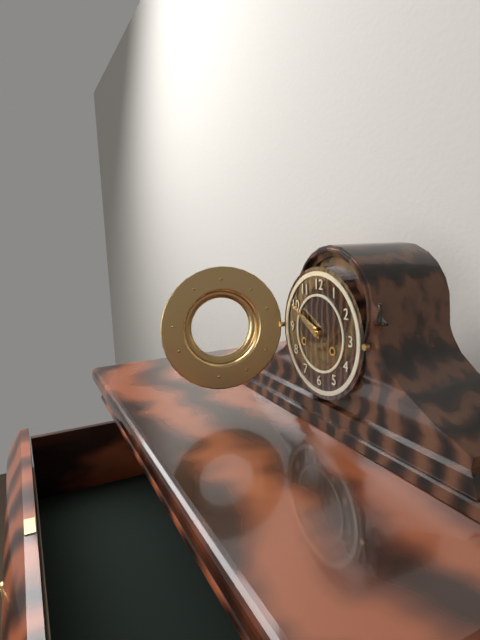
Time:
**9:50**
